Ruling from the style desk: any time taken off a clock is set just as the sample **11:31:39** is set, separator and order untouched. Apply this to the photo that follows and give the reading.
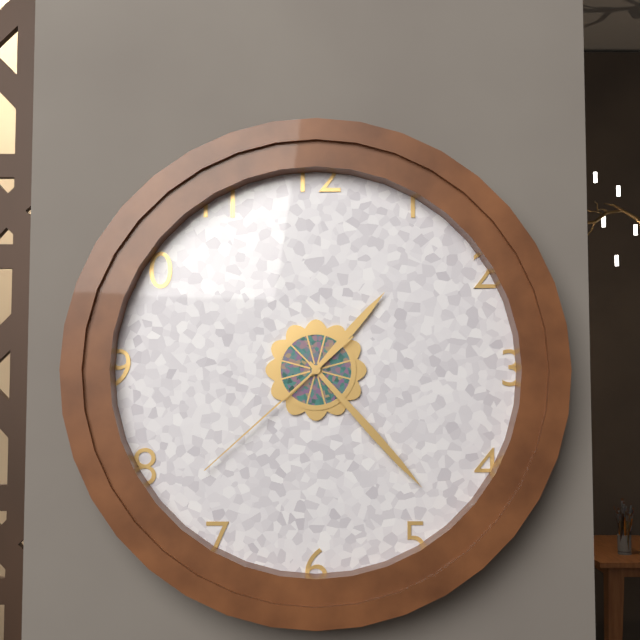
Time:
**1:23:38**
